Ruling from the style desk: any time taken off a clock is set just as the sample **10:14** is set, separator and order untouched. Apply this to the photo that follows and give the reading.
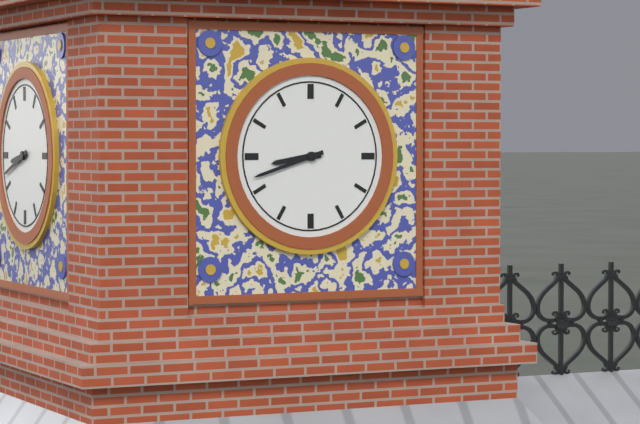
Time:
**8:42**
